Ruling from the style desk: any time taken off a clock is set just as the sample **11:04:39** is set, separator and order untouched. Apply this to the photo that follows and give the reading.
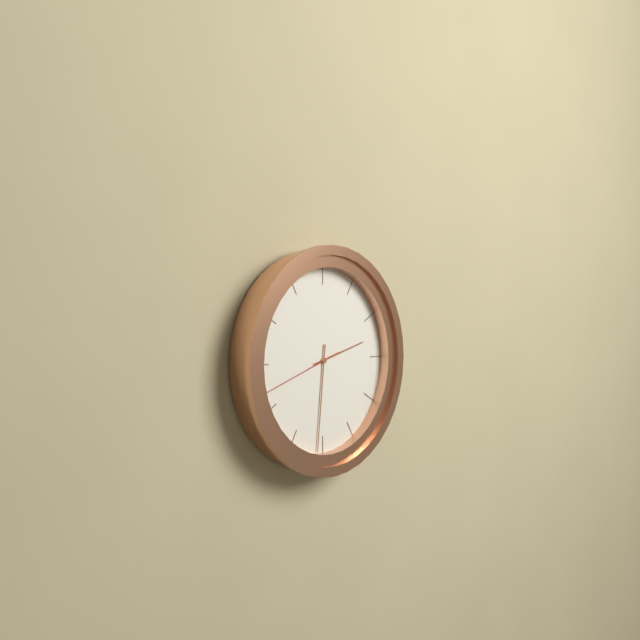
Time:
**2:31:42**
